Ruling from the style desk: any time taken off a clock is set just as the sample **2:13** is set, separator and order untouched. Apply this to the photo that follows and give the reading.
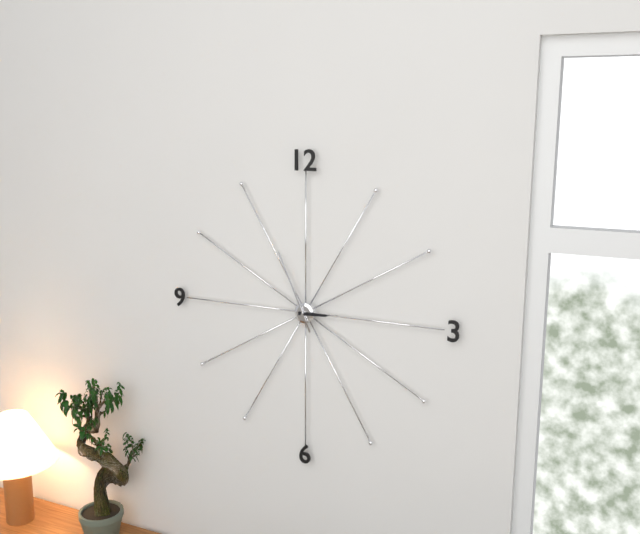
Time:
**2:56**
